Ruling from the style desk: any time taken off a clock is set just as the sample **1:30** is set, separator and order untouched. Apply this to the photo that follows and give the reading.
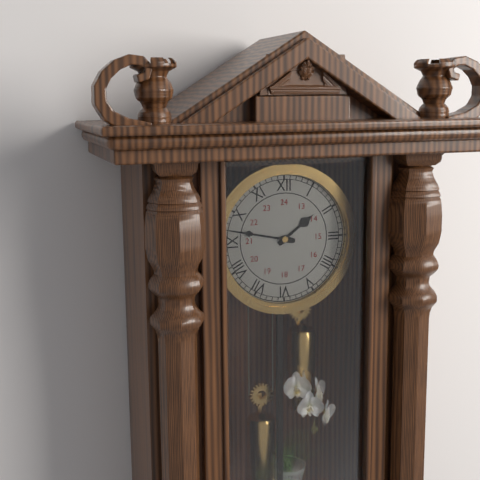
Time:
**1:47**
